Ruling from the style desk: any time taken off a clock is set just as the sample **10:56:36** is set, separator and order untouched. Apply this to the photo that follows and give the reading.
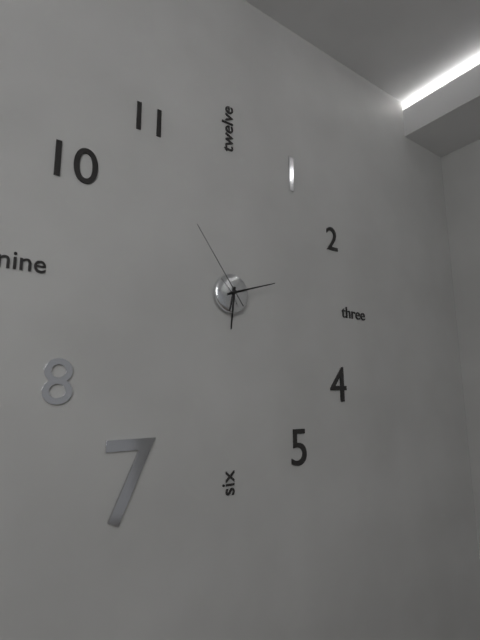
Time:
**6:12:54**
